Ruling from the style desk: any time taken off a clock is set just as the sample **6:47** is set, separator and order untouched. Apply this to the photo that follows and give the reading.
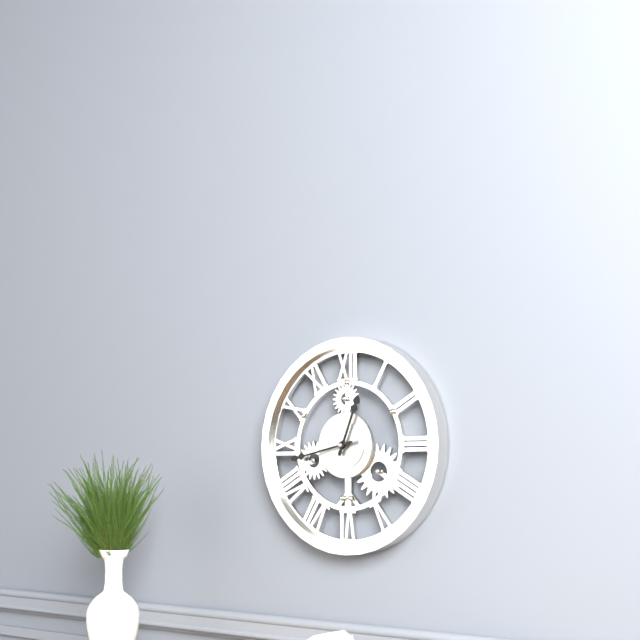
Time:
**12:43**
